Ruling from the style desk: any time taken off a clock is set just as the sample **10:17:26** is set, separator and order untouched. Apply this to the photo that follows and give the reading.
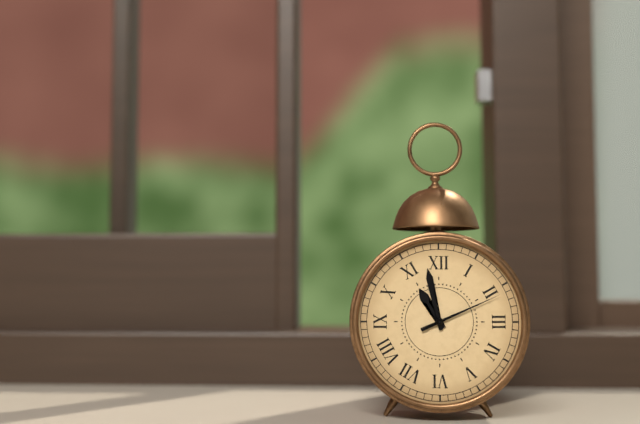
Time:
**10:58:11**
